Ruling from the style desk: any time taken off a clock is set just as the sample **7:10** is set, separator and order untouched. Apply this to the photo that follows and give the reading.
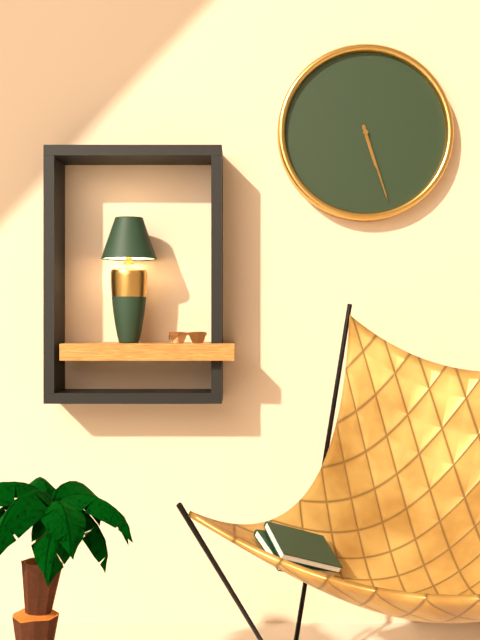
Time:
**5:27**
